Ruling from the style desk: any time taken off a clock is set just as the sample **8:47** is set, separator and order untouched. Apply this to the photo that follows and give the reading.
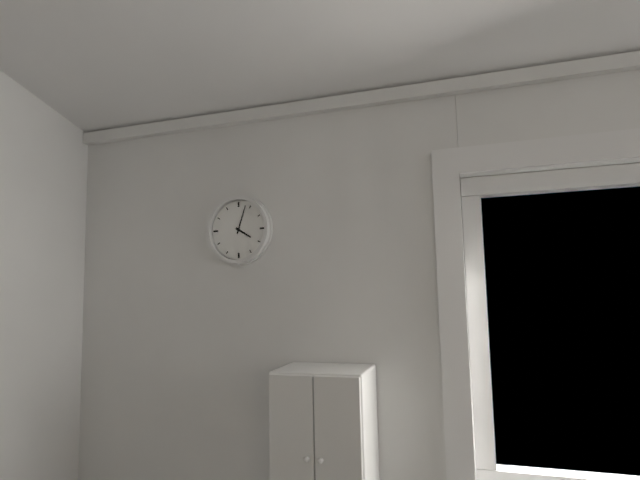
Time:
**4:03**
